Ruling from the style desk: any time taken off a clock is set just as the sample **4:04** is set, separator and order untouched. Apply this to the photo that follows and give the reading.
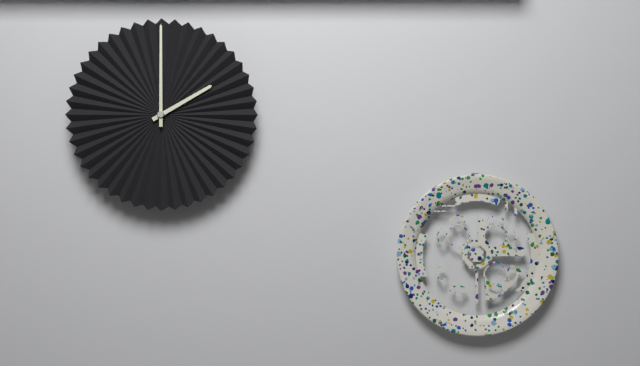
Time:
**2:00**
